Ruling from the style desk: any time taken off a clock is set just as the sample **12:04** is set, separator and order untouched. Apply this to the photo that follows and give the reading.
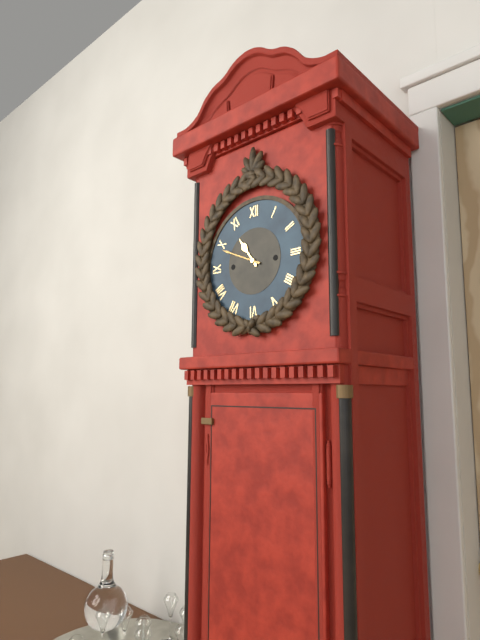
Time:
**10:49**
